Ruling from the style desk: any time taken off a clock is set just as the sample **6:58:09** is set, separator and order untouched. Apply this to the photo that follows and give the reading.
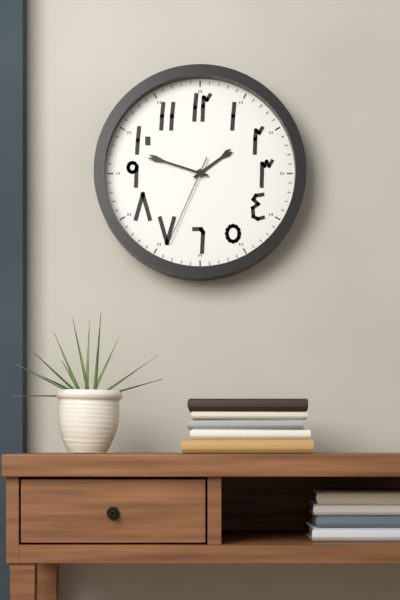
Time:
**1:48:34**
